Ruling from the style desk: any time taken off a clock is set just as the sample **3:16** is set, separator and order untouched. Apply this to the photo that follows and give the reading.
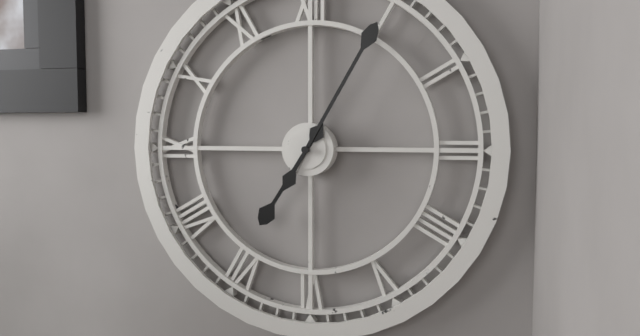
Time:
**7:05**
